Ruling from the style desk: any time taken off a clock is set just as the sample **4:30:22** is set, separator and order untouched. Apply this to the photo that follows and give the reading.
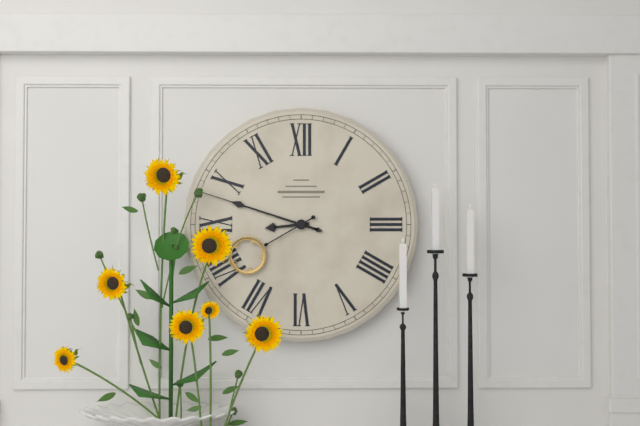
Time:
**8:48:40**
